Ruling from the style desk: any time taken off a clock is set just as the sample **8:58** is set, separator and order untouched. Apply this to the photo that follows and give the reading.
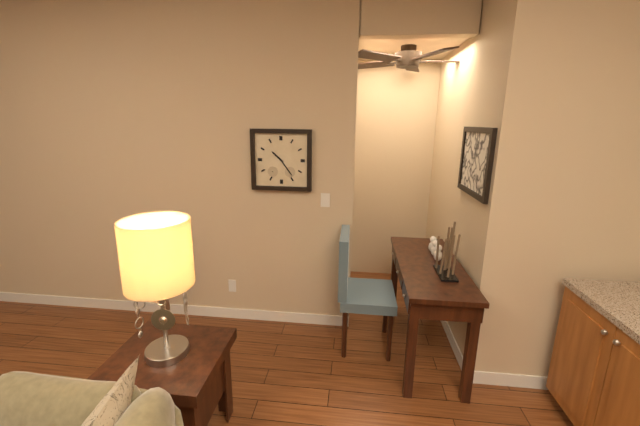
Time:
**10:24**
